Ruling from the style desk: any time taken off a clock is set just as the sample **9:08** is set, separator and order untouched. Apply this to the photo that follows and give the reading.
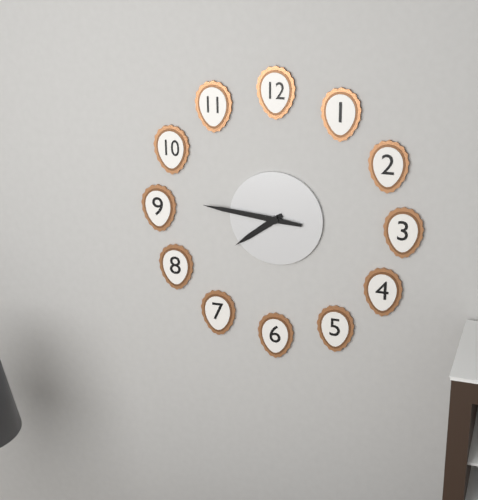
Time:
**7:46**
